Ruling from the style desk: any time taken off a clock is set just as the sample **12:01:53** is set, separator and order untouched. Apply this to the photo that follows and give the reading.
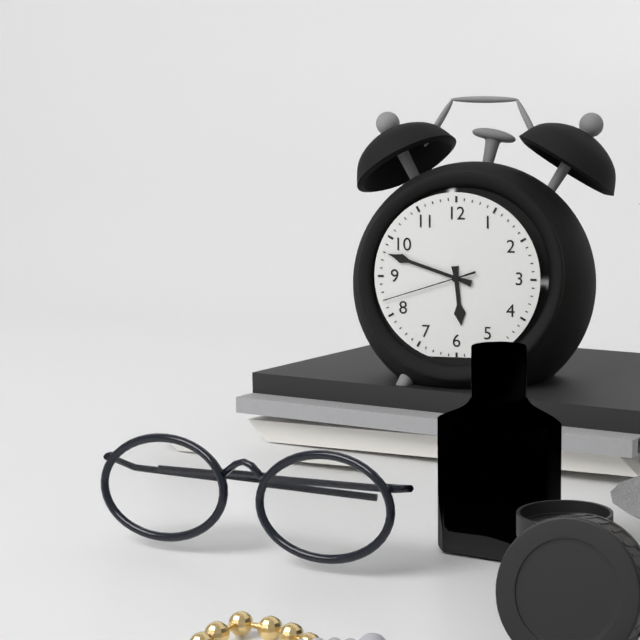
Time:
**5:48:42**
